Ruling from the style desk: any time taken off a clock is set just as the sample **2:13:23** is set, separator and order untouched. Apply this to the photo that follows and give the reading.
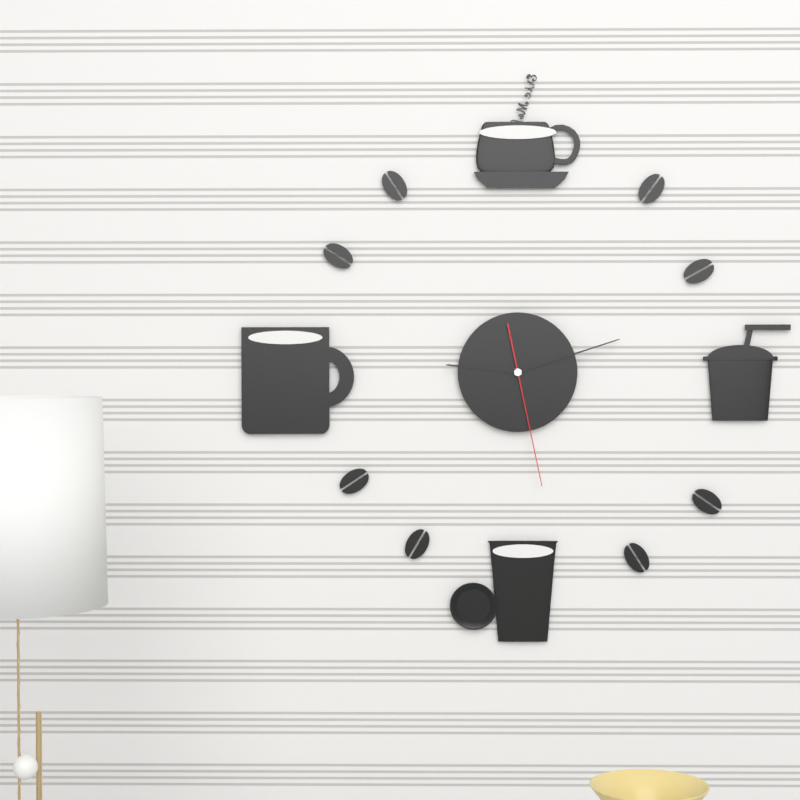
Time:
**9:12:28**
